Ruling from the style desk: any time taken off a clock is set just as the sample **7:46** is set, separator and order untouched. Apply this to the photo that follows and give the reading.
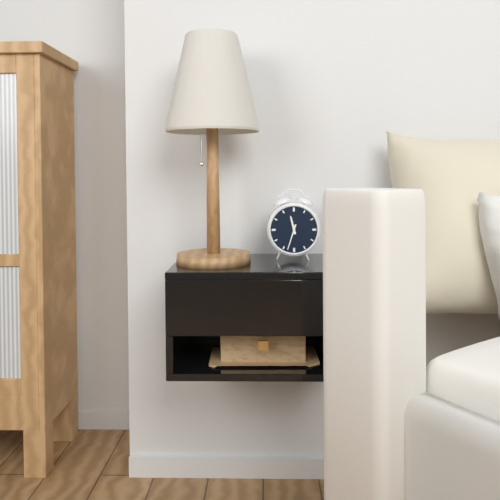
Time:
**11:33**
